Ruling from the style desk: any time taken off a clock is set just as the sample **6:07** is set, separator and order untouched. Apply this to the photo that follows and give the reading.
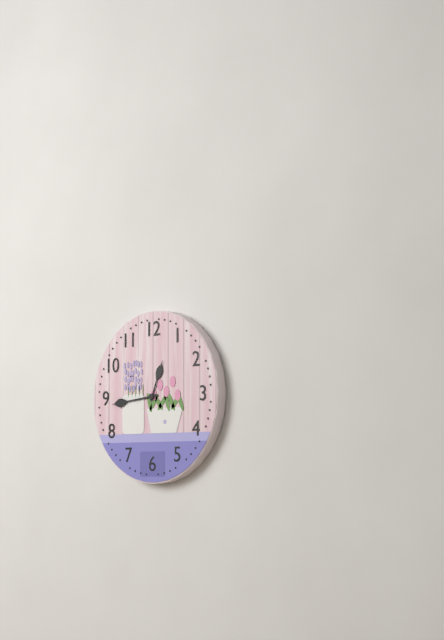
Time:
**12:44**
